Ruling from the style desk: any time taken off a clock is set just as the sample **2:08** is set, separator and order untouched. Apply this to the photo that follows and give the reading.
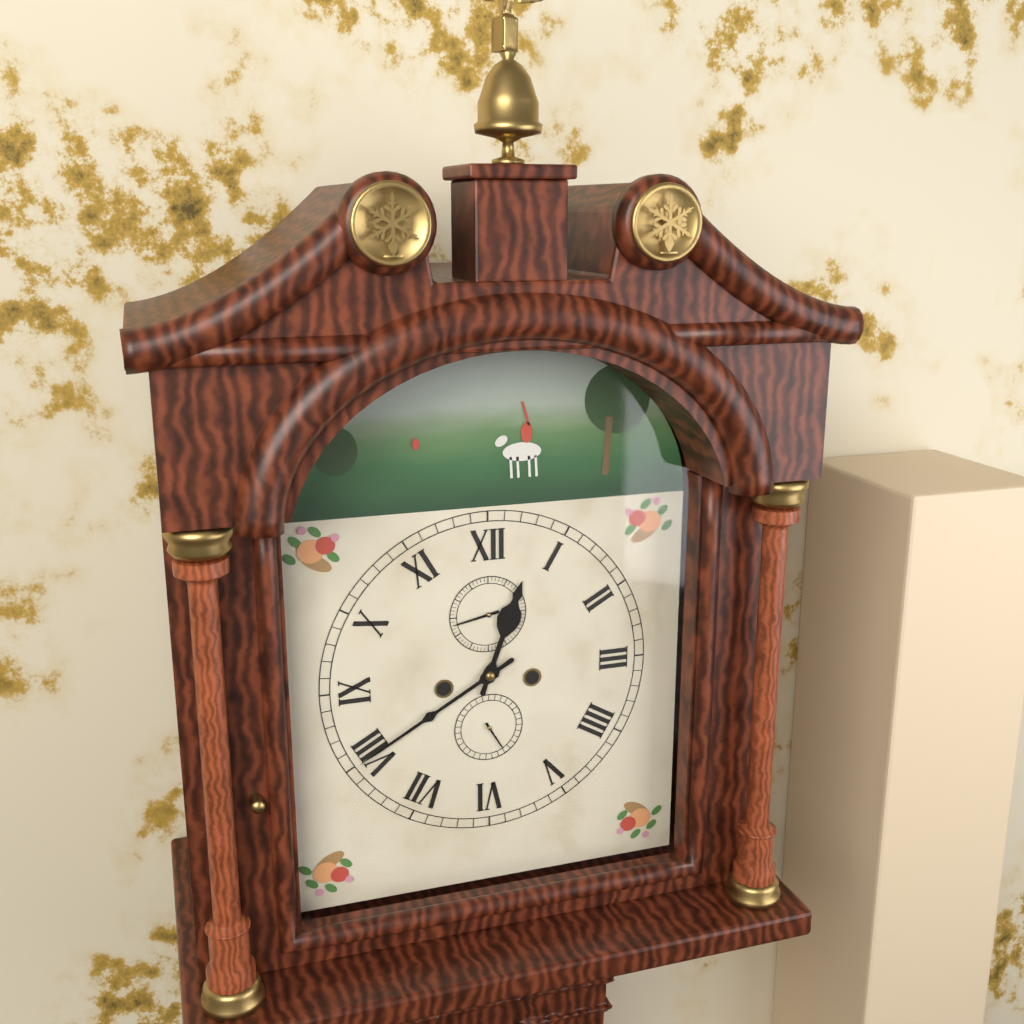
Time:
**12:40**
